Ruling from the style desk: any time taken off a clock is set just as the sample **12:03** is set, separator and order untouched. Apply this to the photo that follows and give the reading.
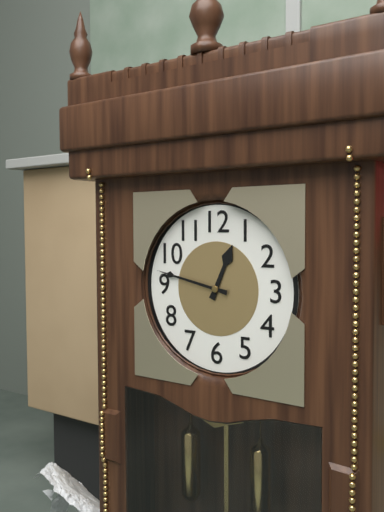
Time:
**12:47**
